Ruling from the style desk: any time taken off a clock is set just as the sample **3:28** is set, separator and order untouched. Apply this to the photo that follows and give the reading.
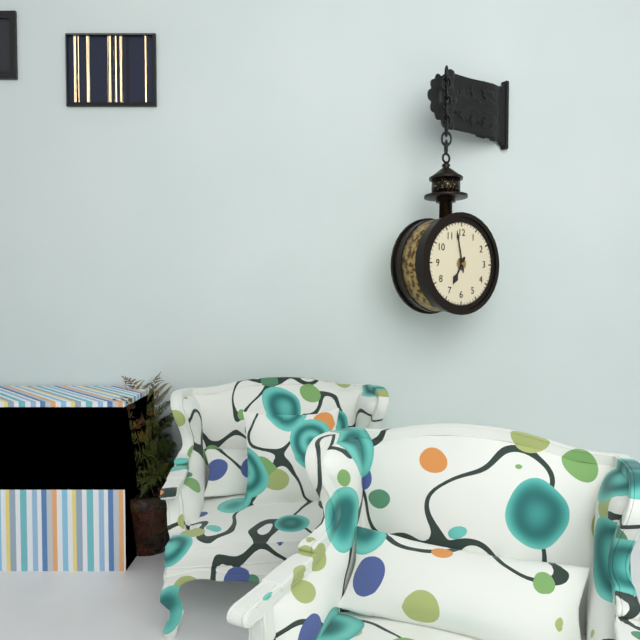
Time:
**6:58**
